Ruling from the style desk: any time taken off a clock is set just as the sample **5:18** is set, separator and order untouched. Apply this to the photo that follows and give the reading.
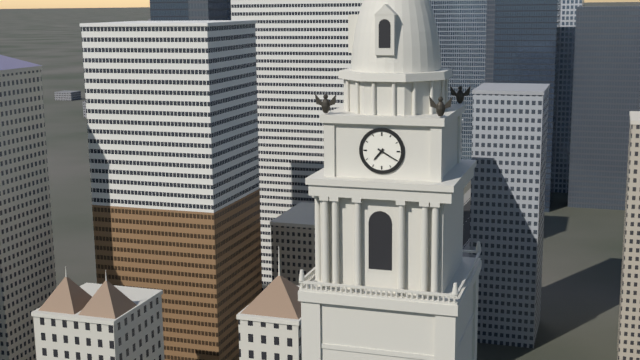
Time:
**7:20**
